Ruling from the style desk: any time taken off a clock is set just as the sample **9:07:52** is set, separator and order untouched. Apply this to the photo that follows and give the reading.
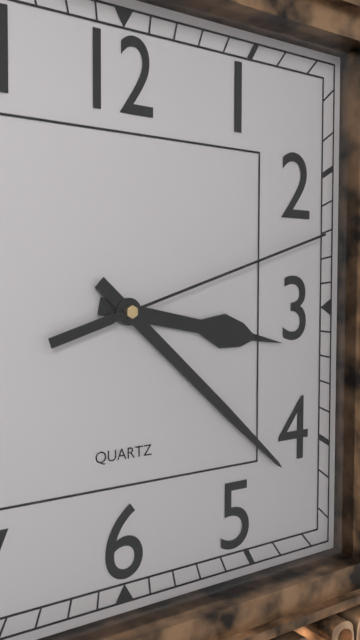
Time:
**3:22:12**
